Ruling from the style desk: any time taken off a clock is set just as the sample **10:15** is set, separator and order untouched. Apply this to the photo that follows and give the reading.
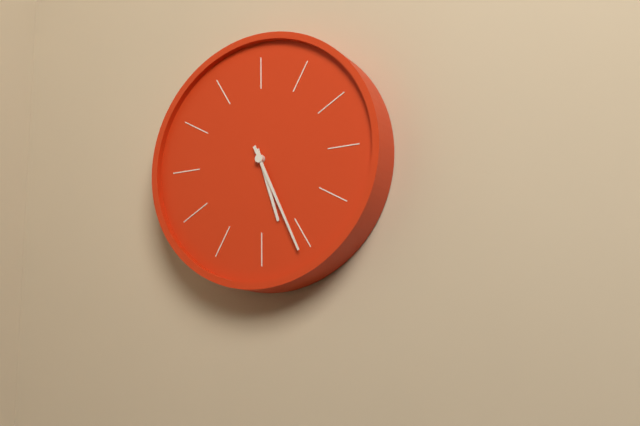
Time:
**5:26**
